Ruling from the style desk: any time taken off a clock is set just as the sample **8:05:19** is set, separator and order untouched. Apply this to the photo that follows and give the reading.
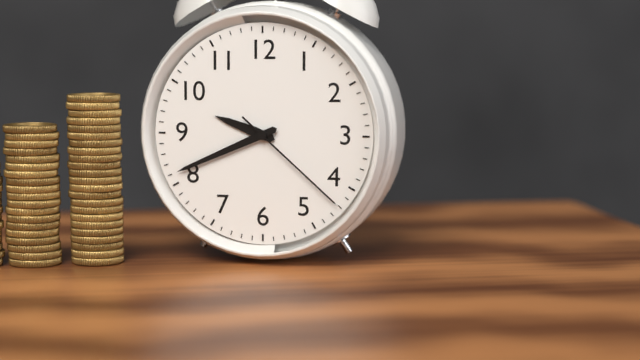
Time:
**9:41:22**
